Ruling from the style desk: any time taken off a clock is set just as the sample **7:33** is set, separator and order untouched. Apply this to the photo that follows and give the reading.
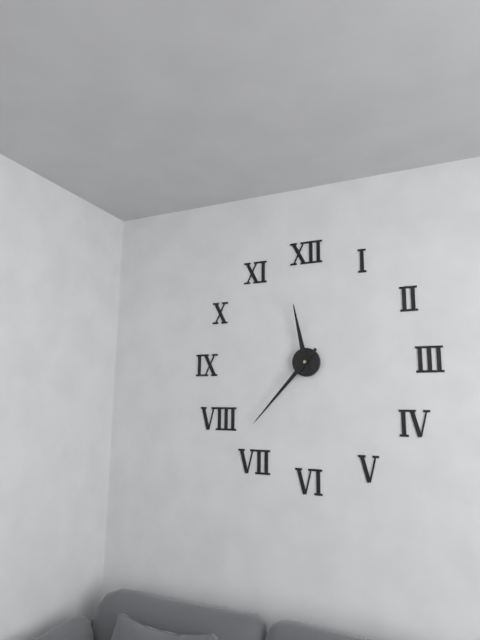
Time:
**11:37**
